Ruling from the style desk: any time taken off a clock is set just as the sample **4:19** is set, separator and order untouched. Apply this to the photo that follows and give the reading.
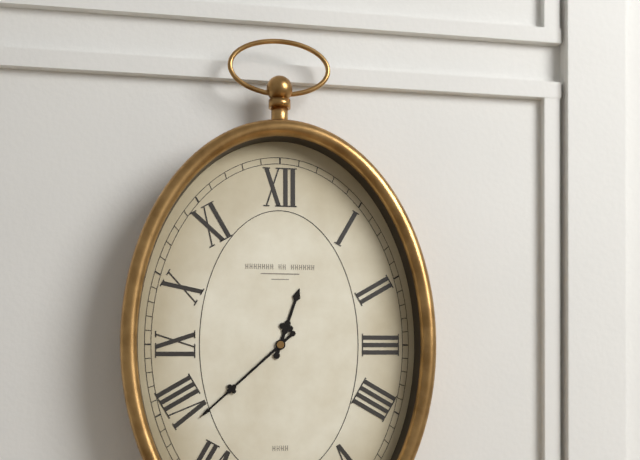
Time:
**12:38**
